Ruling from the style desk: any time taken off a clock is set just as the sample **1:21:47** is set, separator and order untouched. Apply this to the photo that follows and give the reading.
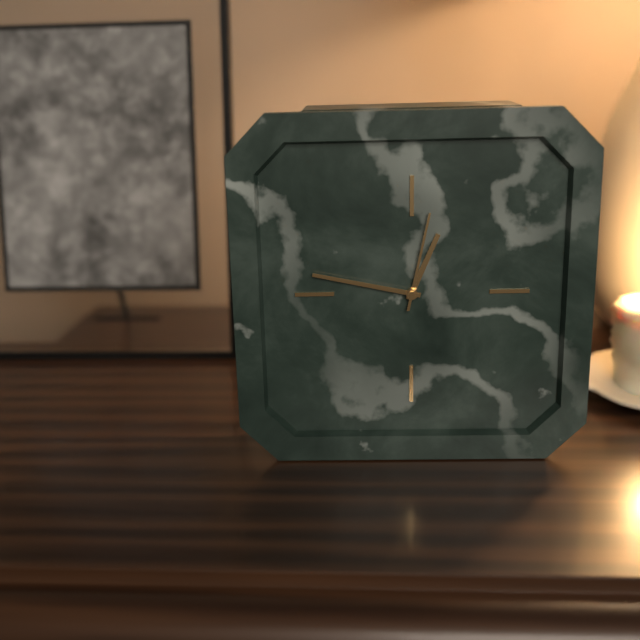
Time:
**12:47:02**
